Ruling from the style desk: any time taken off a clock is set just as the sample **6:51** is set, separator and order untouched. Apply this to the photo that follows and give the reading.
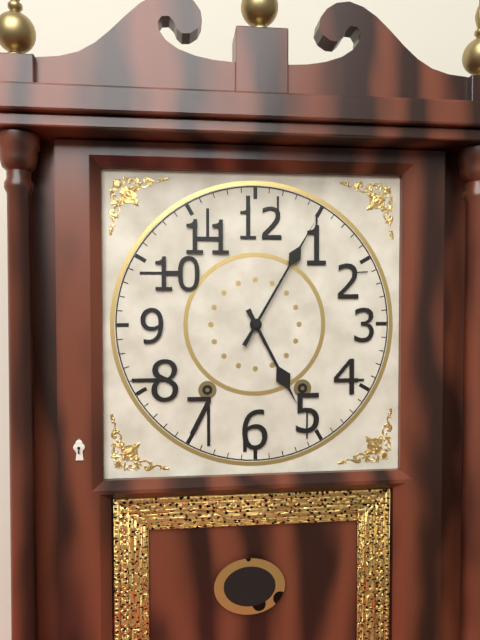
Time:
**5:05**
